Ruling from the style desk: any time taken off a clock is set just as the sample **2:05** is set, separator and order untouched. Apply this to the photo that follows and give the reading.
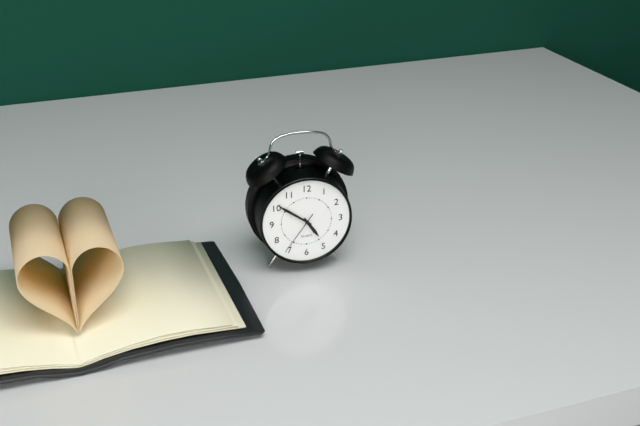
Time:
**4:51**
